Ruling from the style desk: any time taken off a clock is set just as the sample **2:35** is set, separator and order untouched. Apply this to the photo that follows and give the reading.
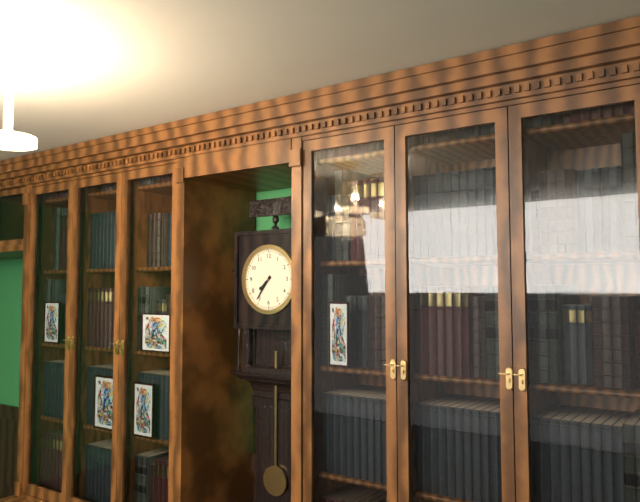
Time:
**7:36**
